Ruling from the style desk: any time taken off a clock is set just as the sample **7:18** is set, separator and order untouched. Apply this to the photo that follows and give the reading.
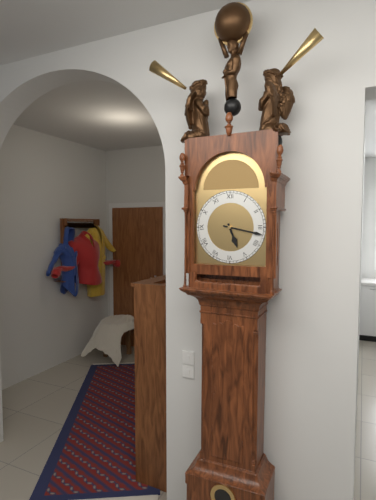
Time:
**5:17**
